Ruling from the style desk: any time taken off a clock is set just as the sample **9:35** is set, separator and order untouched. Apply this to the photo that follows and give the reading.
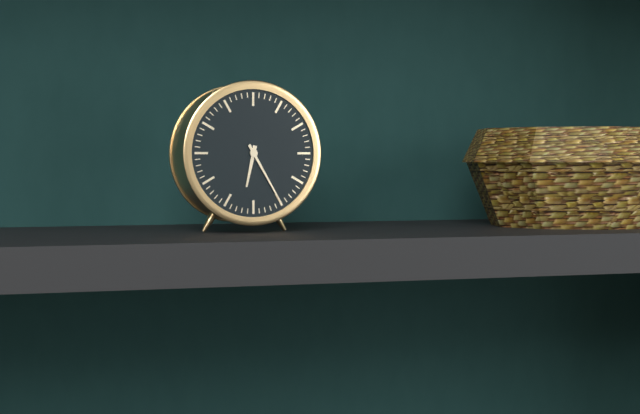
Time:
**6:25**
